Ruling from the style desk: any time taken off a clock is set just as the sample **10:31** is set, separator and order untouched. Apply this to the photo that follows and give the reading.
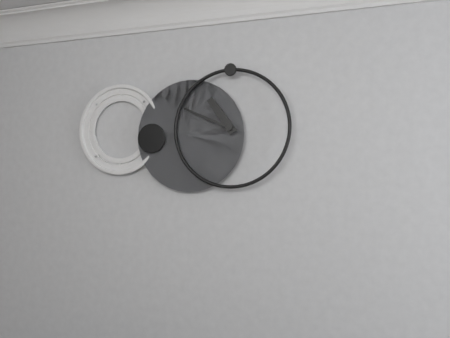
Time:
**10:49**
